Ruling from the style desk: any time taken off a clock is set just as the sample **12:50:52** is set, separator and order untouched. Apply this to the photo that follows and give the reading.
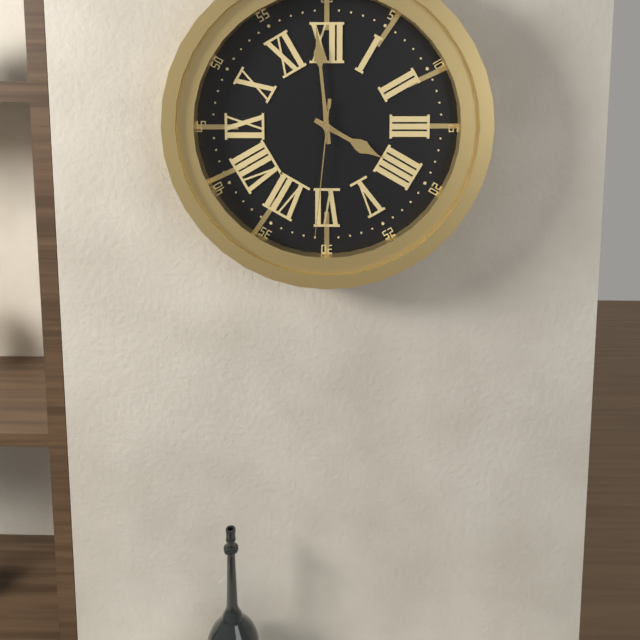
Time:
**3:59:31**
